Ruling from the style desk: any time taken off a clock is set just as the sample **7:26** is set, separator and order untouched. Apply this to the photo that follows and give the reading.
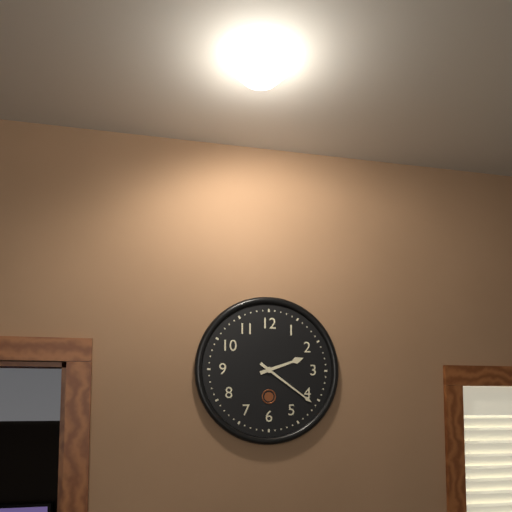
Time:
**2:21**
